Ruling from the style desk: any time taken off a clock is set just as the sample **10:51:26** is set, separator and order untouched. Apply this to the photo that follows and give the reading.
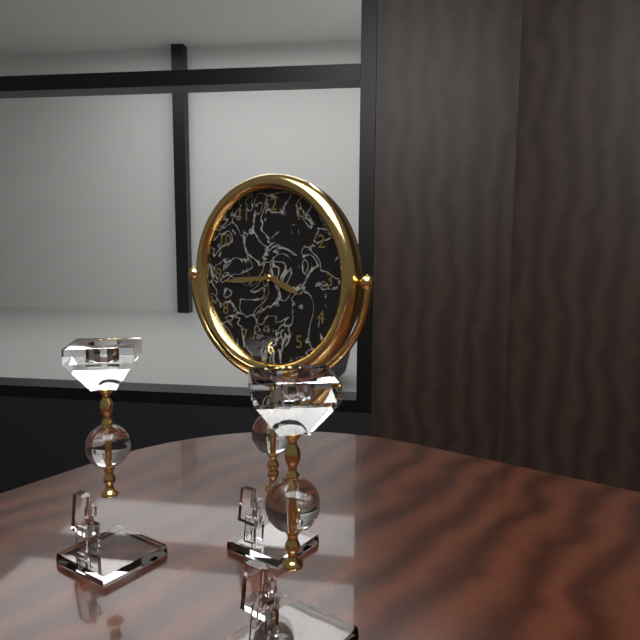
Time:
**3:44:33**
